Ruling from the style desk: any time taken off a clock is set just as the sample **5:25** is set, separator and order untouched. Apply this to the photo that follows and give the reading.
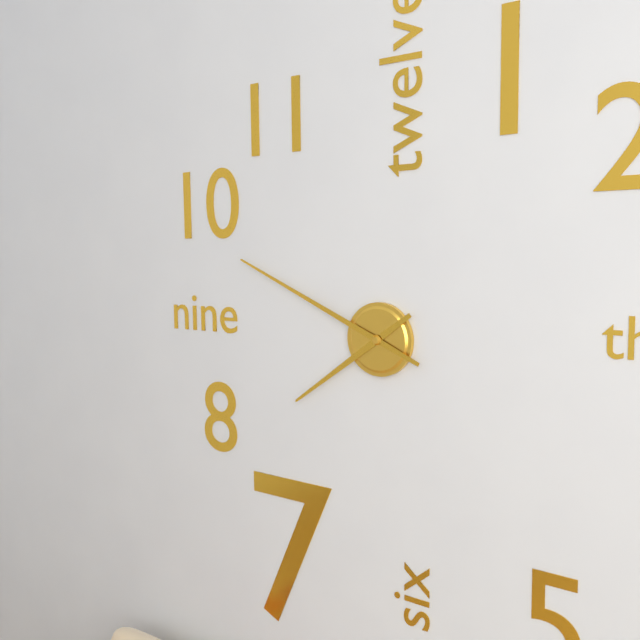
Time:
**7:49**
